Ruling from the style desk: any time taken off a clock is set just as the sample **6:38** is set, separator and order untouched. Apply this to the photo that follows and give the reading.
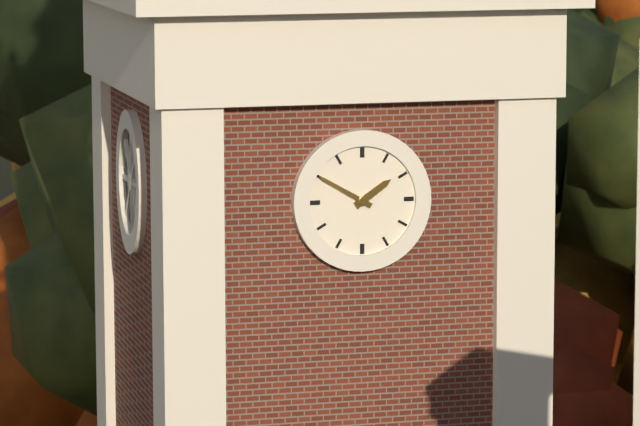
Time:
**1:50**
